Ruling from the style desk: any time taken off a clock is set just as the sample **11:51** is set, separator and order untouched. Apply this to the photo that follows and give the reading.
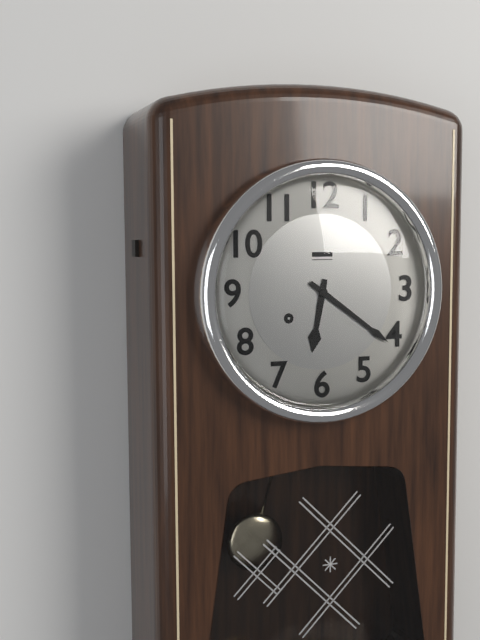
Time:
**6:21**
